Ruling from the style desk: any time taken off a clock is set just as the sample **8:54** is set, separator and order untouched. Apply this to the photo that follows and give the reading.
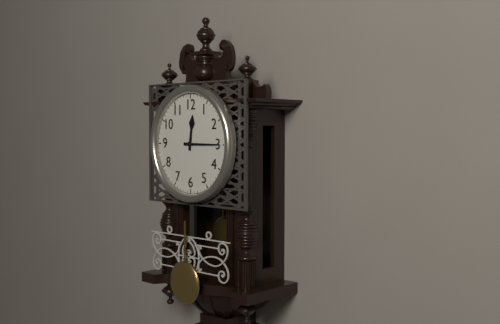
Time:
**12:15**
